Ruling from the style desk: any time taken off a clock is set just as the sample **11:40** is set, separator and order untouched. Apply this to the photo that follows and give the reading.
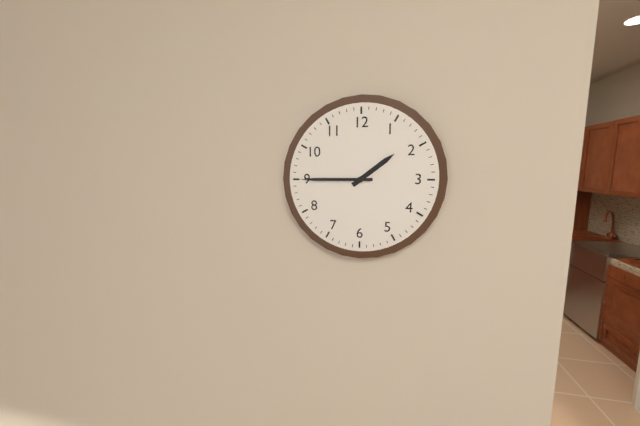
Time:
**1:45**
